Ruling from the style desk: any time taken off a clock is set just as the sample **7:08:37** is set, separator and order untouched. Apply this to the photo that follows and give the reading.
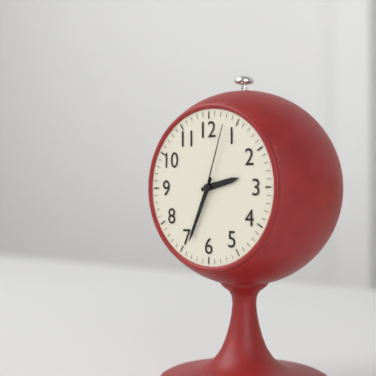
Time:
**2:34:03**
